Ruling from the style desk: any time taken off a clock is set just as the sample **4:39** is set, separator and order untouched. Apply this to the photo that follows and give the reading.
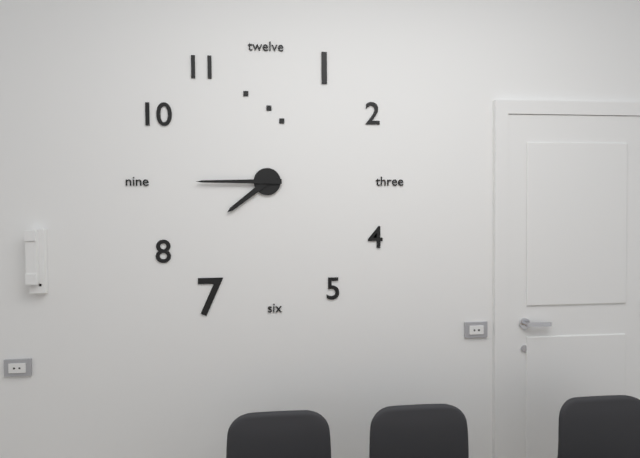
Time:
**7:45**
